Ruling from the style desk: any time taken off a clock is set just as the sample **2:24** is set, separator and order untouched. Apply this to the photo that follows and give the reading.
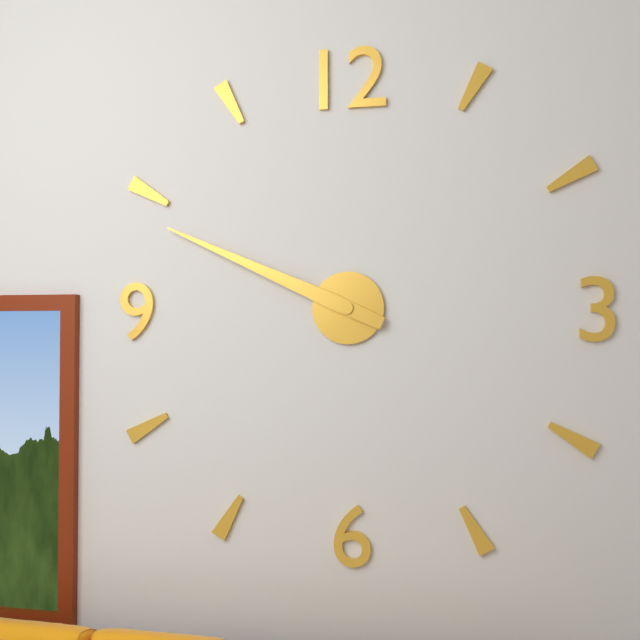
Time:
**9:49**
